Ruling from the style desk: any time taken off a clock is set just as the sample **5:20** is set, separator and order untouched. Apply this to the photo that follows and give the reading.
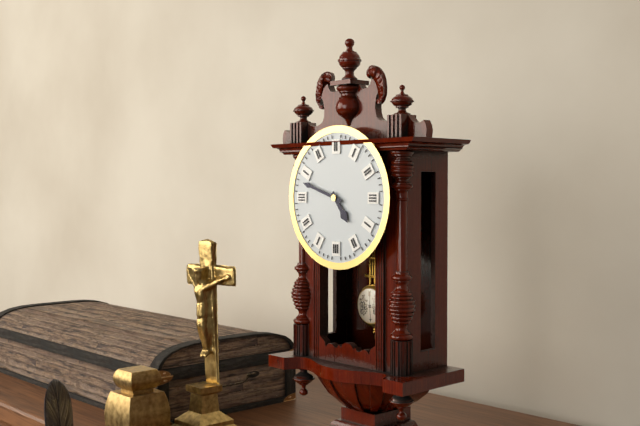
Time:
**4:48**
